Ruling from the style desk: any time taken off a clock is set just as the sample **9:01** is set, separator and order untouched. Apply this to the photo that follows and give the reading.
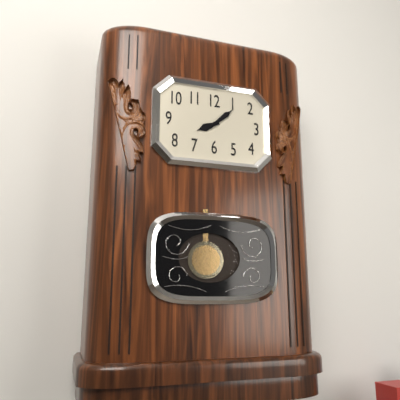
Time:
**8:08**
